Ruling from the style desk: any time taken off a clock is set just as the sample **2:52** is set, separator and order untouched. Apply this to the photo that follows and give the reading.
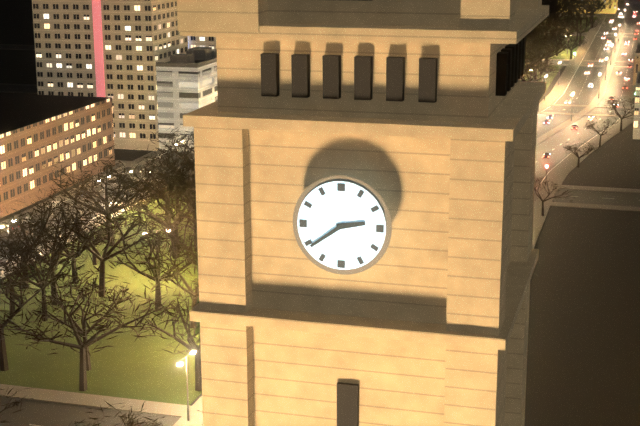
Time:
**2:39**
